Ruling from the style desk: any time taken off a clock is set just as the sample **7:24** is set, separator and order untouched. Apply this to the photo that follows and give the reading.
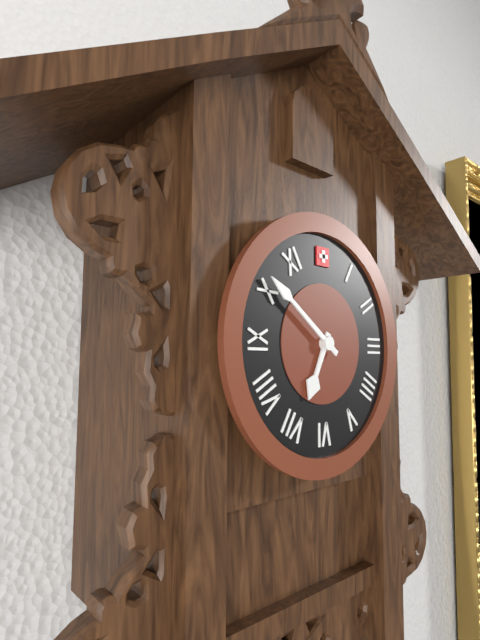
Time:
**6:51**
